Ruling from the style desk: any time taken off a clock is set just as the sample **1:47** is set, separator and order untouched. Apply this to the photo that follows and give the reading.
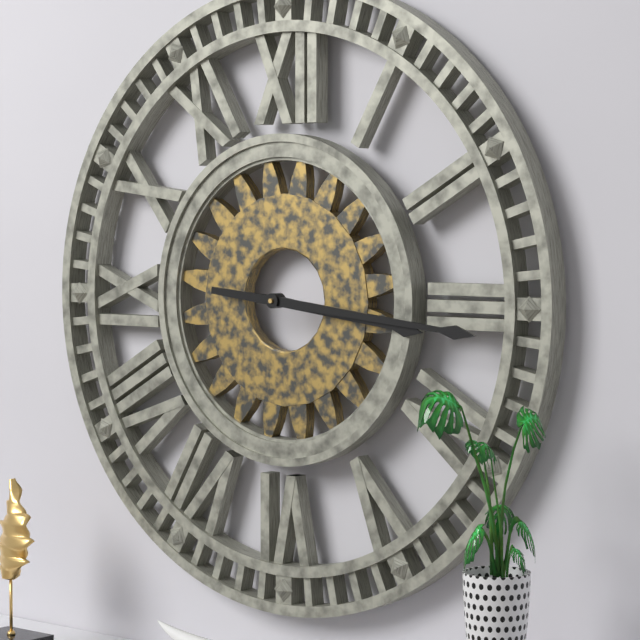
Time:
**3:16**
